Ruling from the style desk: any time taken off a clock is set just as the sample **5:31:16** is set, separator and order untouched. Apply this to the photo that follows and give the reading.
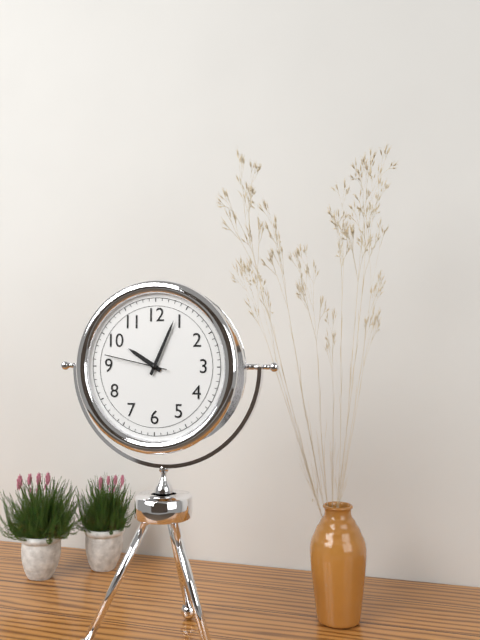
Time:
**10:04:47**
